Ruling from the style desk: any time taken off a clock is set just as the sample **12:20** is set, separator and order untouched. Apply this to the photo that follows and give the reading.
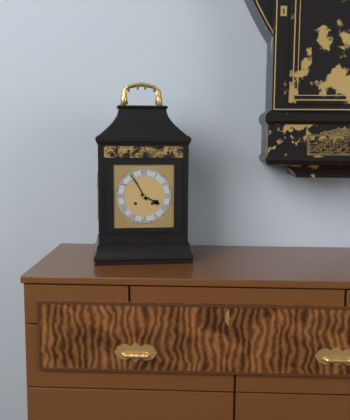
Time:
**3:55**
